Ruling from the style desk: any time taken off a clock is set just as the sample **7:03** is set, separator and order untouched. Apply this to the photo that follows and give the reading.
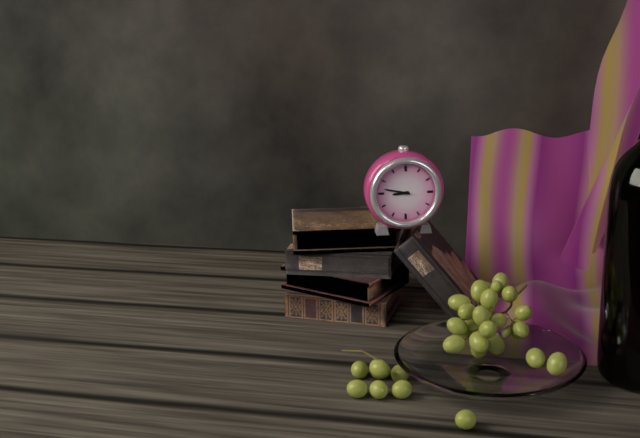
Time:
**8:47**
